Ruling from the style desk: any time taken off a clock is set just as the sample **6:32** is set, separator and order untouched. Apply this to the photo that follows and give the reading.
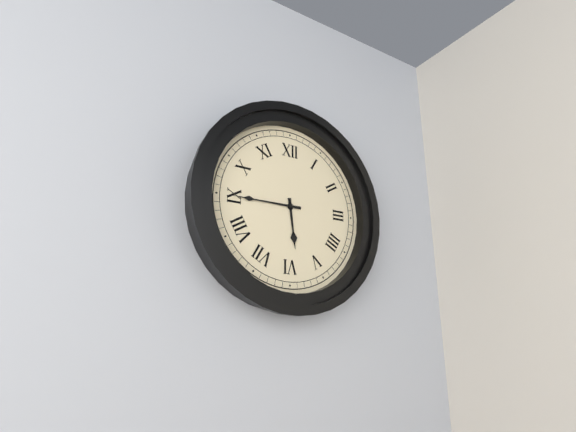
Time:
**5:45**
